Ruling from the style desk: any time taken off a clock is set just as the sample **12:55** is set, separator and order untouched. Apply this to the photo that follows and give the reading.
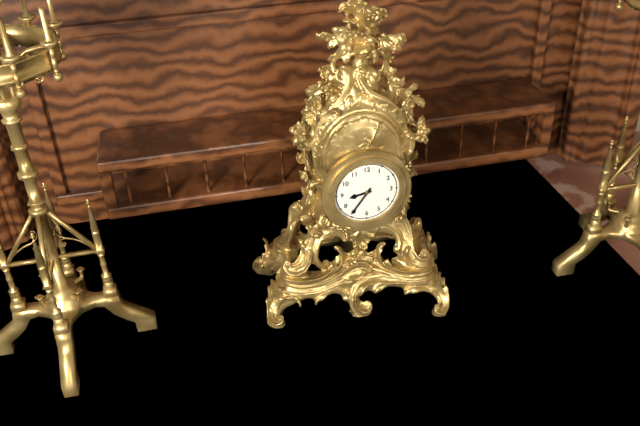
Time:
**8:36**
